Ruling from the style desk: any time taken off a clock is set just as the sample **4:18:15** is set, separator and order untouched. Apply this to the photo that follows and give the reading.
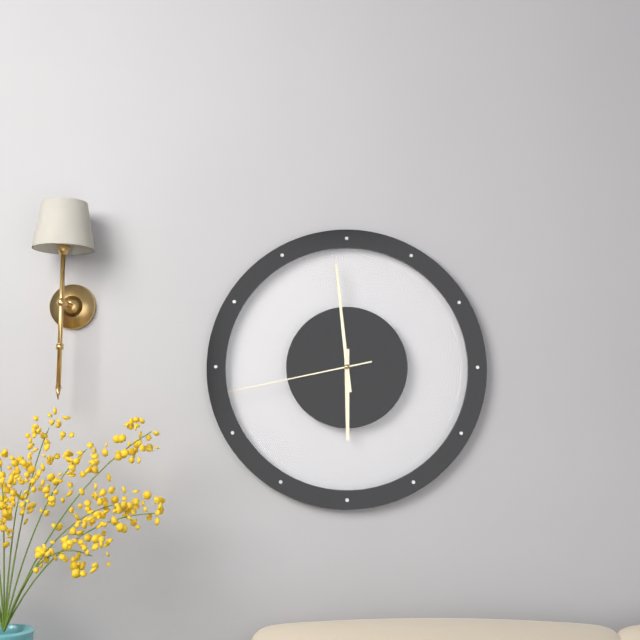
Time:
**5:59:43**
